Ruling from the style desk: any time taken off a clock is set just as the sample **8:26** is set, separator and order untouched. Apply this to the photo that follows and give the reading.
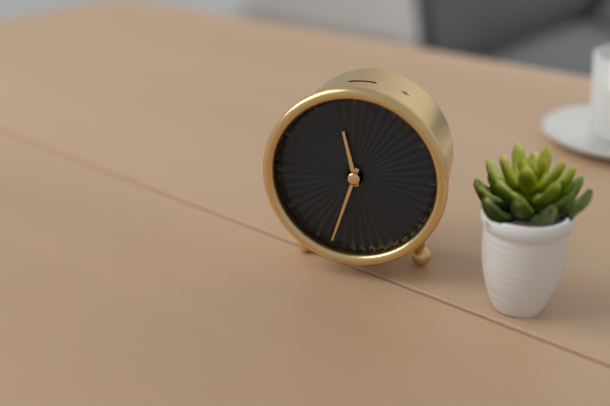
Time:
**11:33**
